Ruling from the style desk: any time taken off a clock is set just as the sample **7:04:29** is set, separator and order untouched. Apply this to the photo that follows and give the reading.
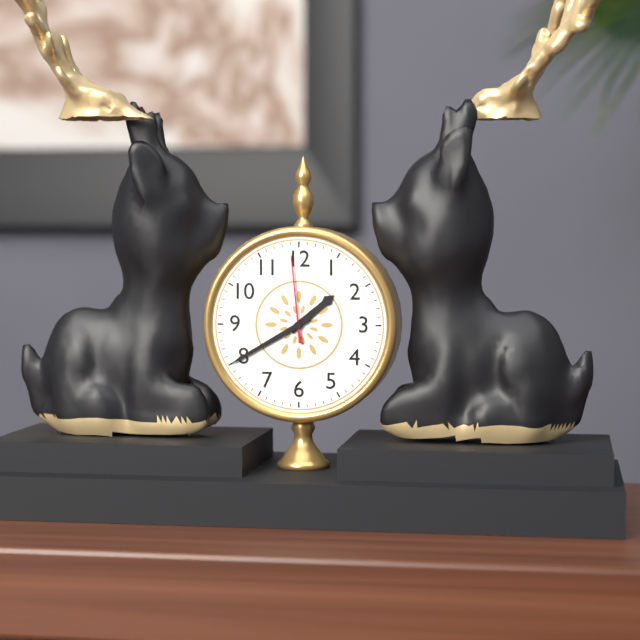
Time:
**1:40:59**
